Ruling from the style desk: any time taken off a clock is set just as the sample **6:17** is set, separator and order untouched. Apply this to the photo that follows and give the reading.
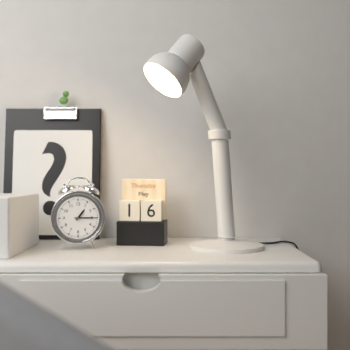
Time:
**1:15**
